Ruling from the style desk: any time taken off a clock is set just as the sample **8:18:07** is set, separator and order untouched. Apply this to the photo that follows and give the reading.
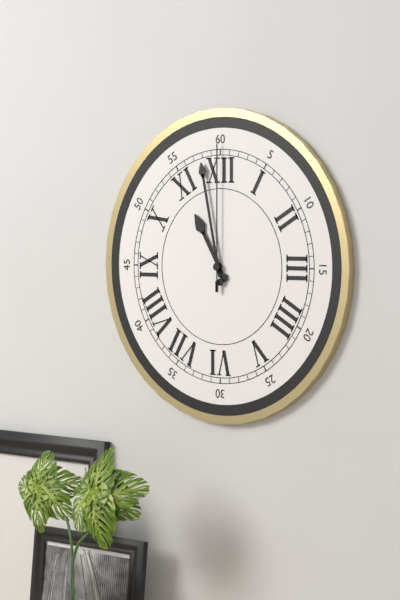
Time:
**10:58:00**
